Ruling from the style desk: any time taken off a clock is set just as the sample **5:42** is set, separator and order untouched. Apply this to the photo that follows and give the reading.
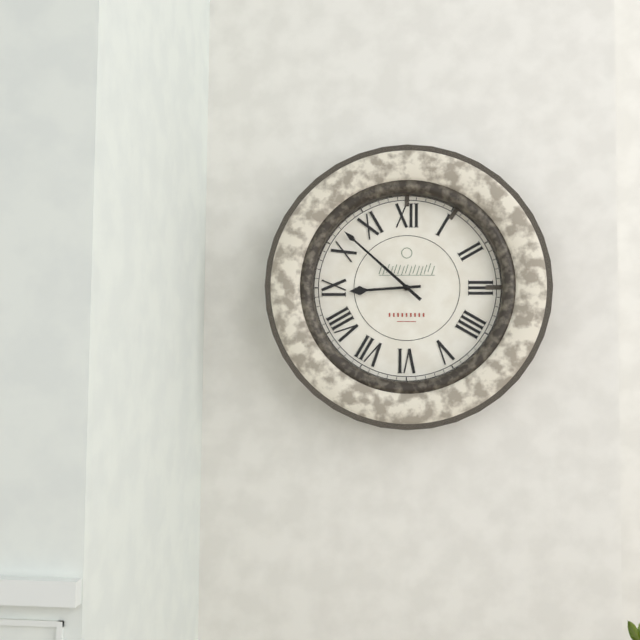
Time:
**8:52**
